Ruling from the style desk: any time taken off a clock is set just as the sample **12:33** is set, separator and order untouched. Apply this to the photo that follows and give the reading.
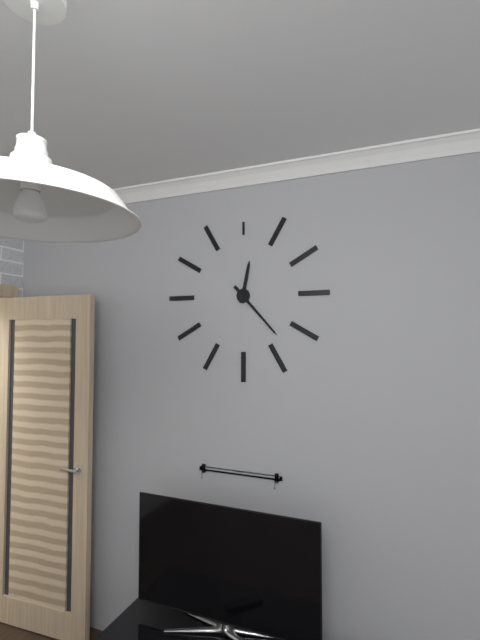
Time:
**12:23**
